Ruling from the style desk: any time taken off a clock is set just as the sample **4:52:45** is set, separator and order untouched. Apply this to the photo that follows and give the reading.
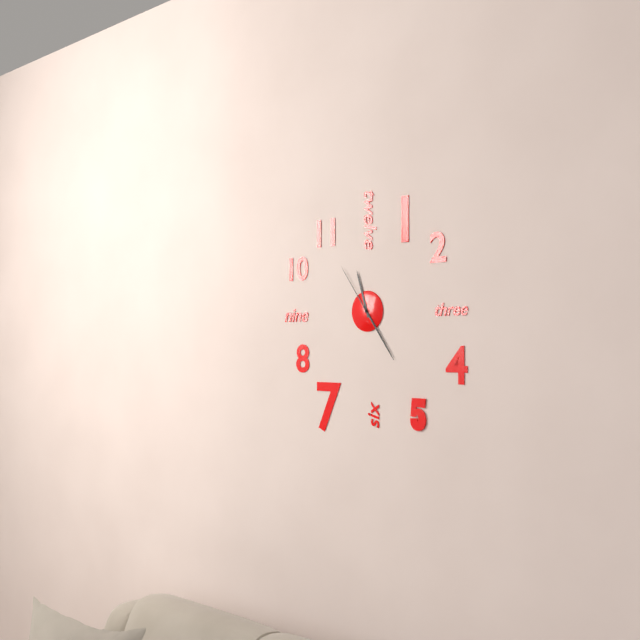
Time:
**11:24:54**
